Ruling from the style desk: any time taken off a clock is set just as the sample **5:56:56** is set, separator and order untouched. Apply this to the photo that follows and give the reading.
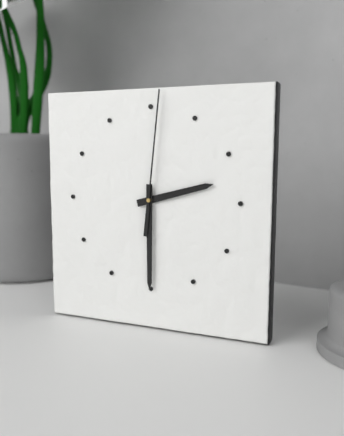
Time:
**2:30:01**
